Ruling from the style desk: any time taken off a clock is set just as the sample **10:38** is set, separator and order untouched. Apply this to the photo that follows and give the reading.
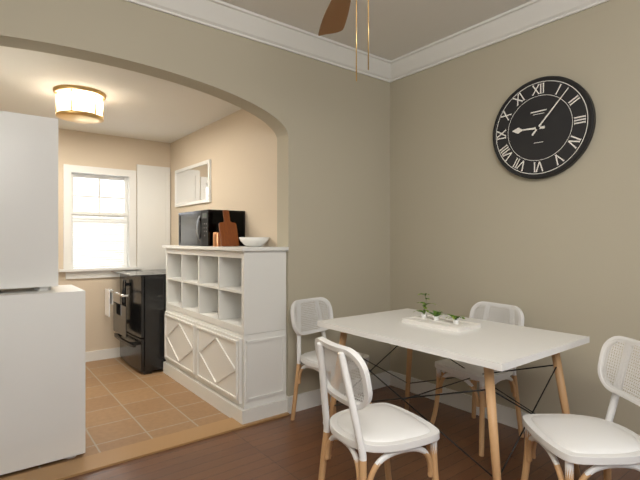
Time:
**9:07**
